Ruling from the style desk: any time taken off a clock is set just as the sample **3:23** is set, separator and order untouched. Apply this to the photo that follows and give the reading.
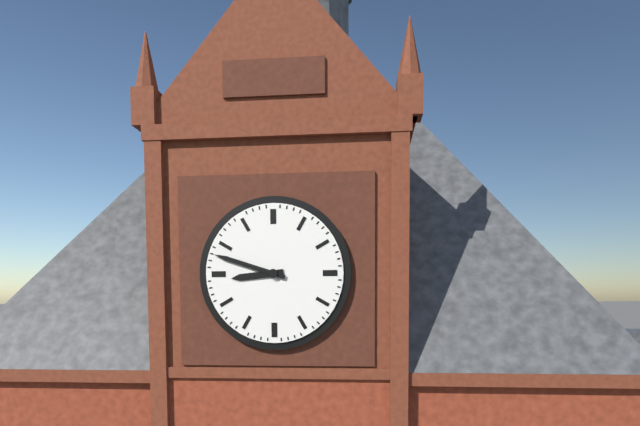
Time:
**8:48**
